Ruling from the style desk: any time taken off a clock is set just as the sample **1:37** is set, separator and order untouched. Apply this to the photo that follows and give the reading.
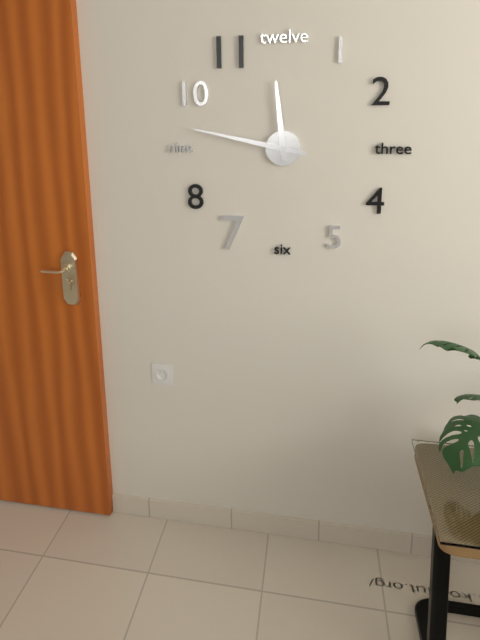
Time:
**11:47**
